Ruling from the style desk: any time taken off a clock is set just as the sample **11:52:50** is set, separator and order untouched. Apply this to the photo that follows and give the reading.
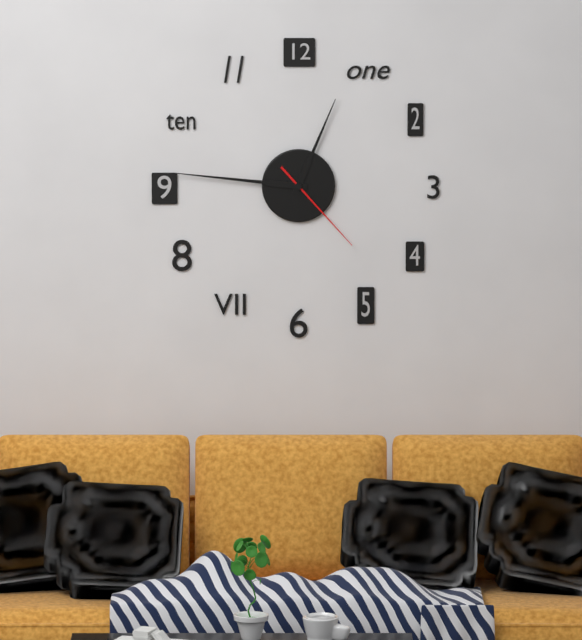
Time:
**12:46:23**
